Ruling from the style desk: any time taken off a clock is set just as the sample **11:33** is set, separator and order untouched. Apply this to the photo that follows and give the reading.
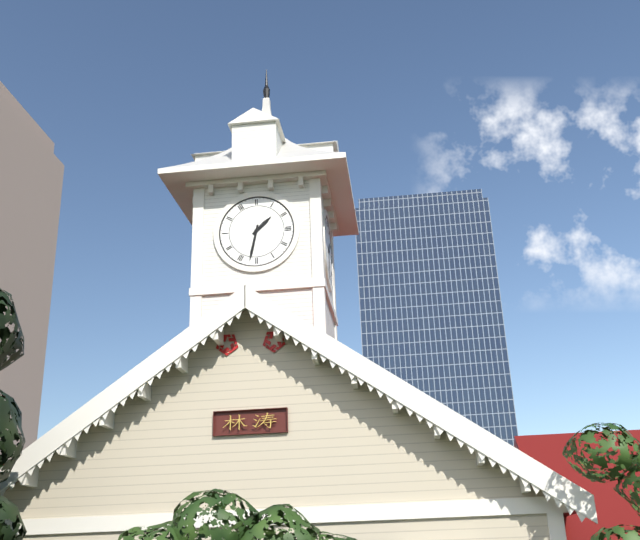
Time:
**1:32**
